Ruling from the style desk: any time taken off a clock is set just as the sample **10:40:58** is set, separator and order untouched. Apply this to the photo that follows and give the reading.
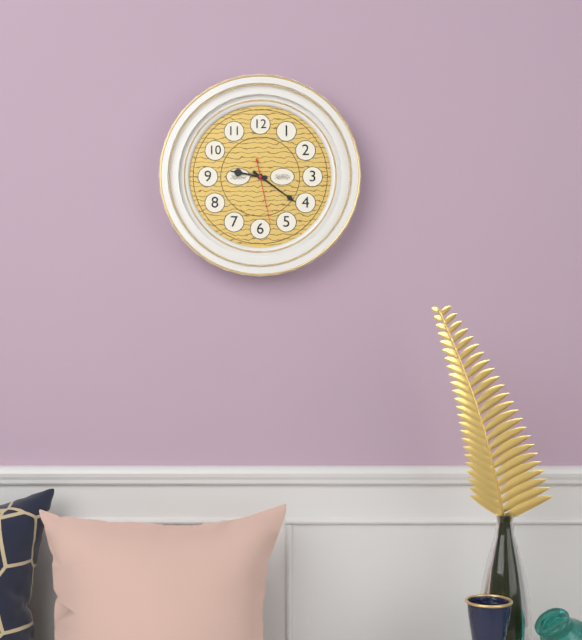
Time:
**9:21:28**
